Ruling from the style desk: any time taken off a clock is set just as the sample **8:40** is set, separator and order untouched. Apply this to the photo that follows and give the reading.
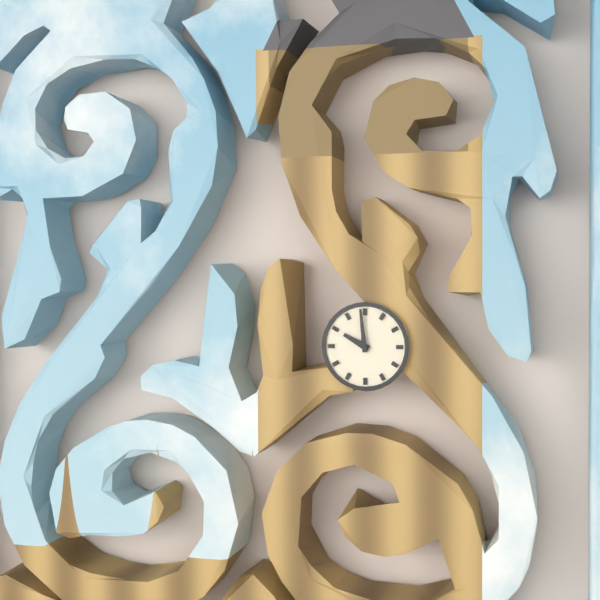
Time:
**9:59**
